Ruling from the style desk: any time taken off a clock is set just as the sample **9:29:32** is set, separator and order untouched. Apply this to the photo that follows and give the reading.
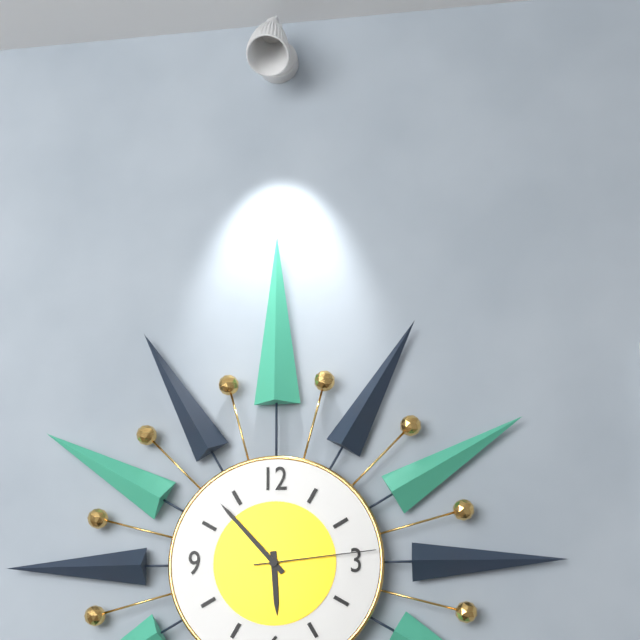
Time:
**5:53:14**
